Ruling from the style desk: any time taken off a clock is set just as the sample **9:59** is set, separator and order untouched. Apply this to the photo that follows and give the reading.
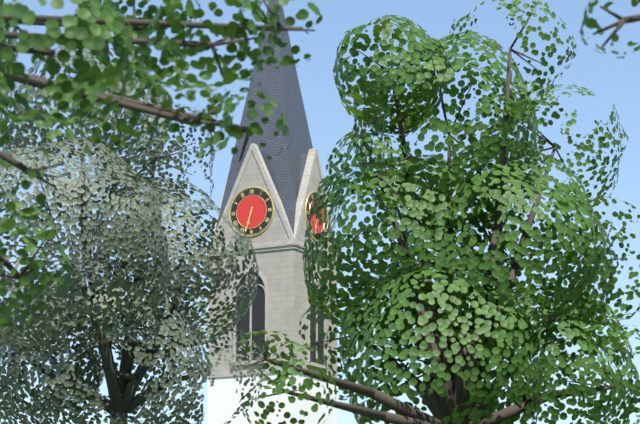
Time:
**6:33**
